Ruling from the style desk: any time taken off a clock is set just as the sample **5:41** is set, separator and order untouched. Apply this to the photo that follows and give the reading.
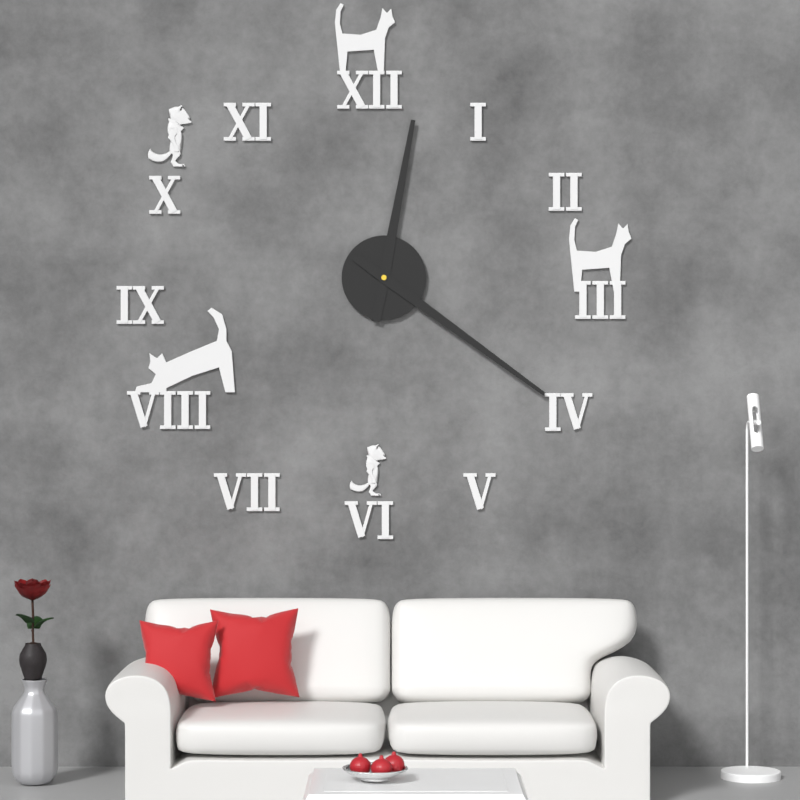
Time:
**12:21**
